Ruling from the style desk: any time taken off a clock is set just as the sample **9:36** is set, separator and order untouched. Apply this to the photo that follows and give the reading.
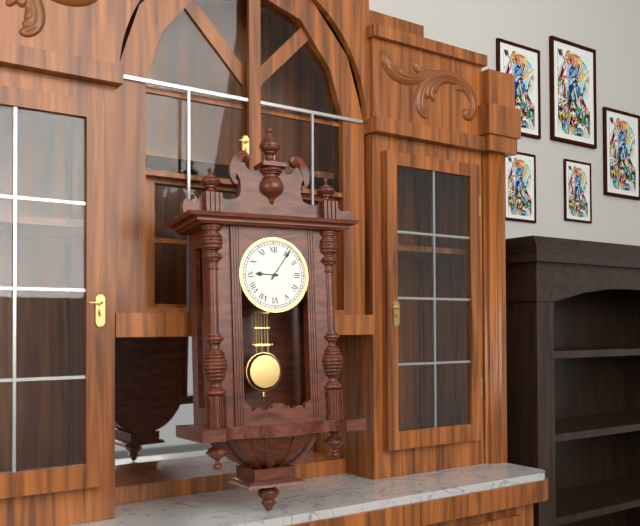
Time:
**9:06**
